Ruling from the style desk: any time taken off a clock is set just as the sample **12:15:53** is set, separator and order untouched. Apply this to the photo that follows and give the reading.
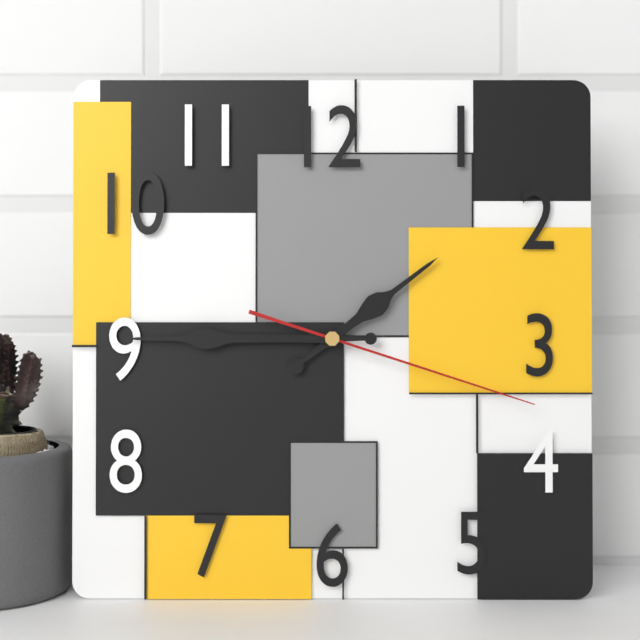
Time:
**1:45:18**
